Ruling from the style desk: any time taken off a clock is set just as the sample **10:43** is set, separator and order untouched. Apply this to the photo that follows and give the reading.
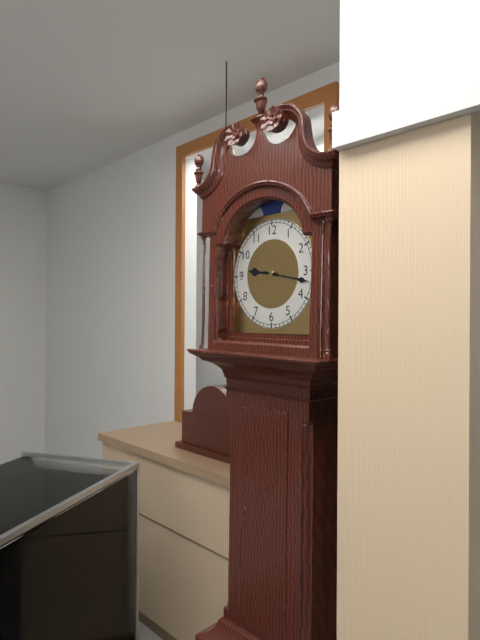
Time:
**9:17**
